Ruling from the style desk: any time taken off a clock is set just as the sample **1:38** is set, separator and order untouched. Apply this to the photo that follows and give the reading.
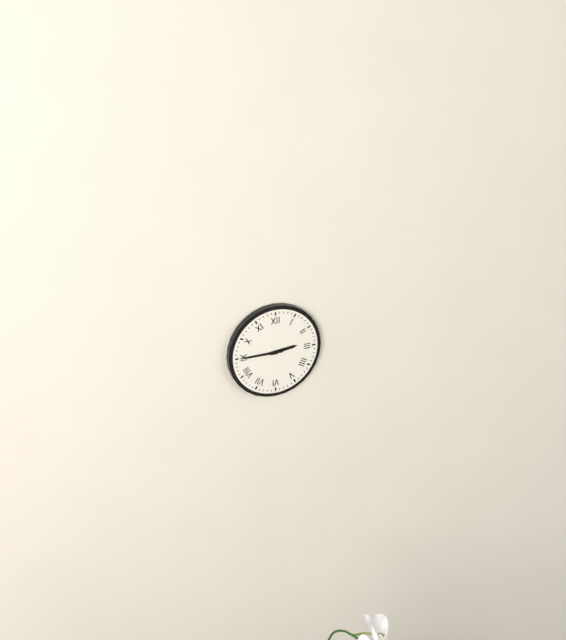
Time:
**2:45**
